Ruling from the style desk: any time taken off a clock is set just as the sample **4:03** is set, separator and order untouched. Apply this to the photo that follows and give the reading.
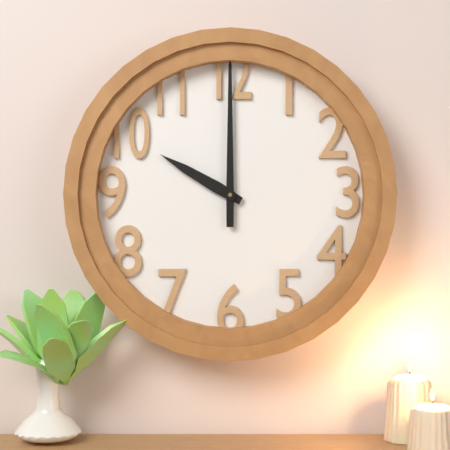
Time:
**10:00**
